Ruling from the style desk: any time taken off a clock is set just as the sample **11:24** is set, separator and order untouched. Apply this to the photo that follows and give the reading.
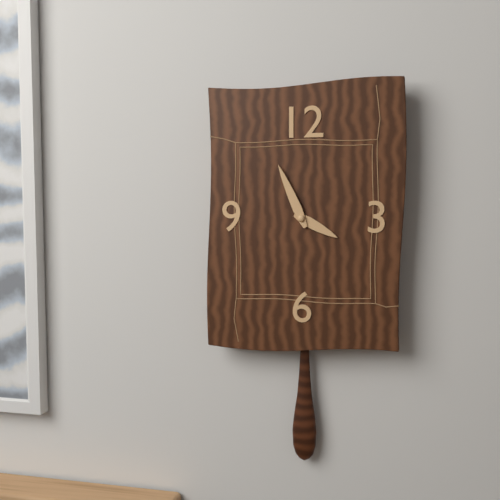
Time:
**3:56**
